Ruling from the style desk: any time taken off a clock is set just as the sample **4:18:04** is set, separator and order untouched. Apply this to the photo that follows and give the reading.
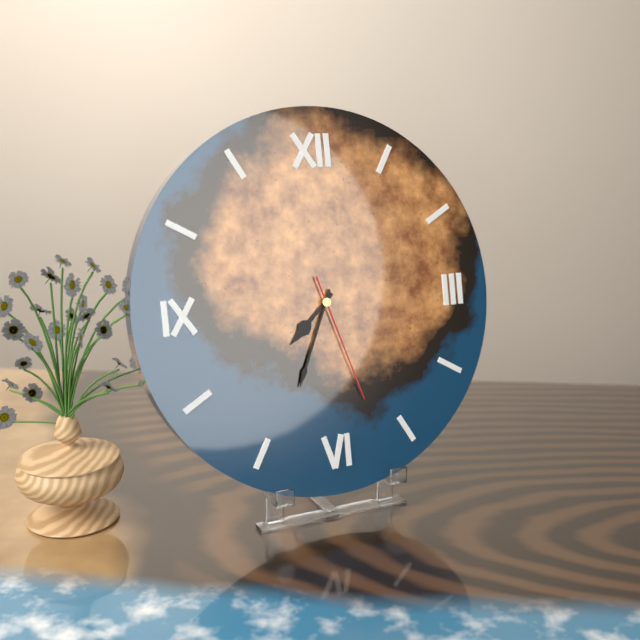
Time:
**7:34:27**
